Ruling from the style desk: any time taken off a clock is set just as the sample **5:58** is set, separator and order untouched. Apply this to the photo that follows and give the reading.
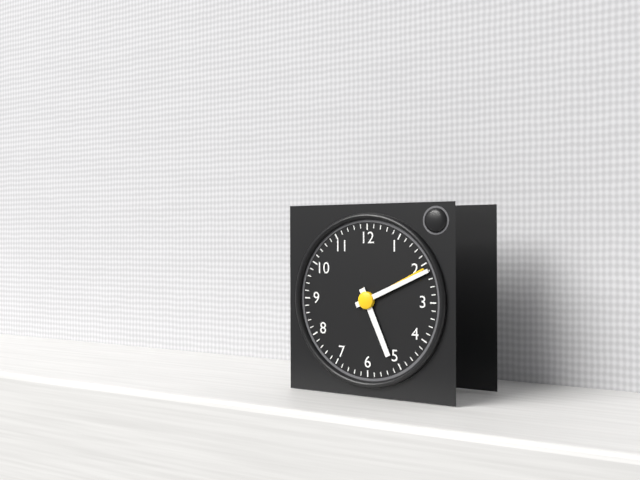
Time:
**5:11**
